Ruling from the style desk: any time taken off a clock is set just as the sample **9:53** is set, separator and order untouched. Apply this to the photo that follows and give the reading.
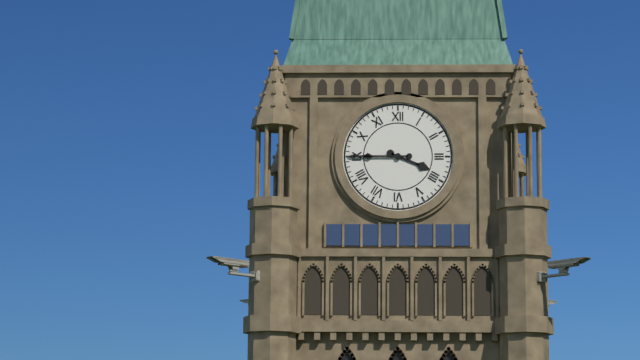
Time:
**3:45**
